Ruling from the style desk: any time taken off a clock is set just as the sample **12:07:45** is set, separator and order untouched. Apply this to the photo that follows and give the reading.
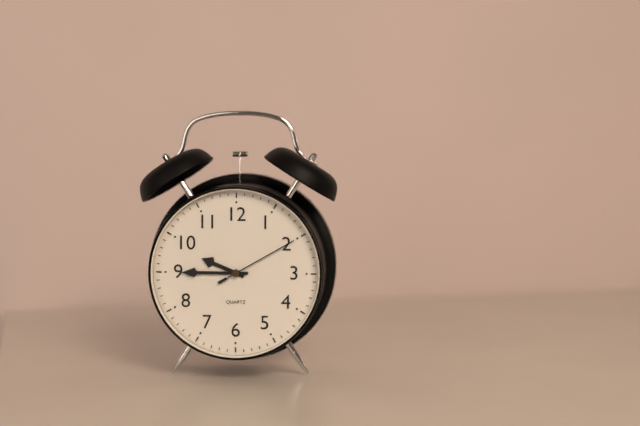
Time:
**9:45:10**
